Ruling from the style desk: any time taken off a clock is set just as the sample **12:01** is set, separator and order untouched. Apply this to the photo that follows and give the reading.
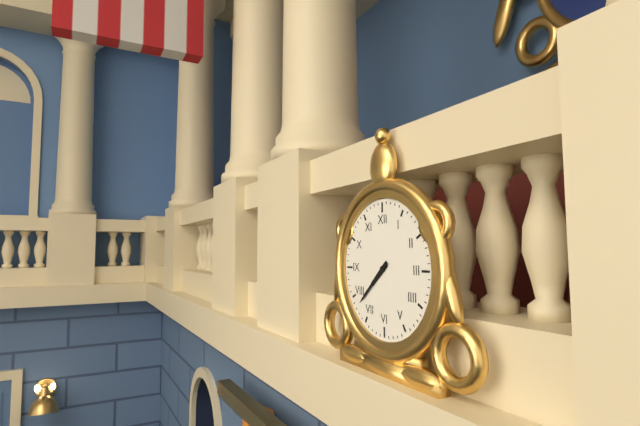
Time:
**7:38**
